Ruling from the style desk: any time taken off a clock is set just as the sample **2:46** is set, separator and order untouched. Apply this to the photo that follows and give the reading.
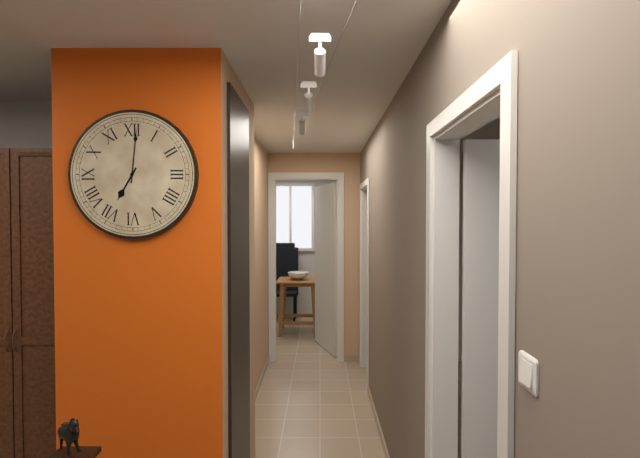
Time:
**7:01**
